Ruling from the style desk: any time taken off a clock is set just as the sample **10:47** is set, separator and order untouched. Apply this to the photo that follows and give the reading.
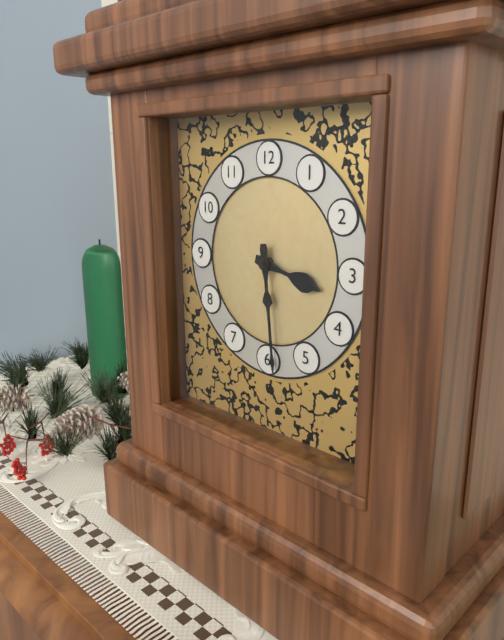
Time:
**3:29**
